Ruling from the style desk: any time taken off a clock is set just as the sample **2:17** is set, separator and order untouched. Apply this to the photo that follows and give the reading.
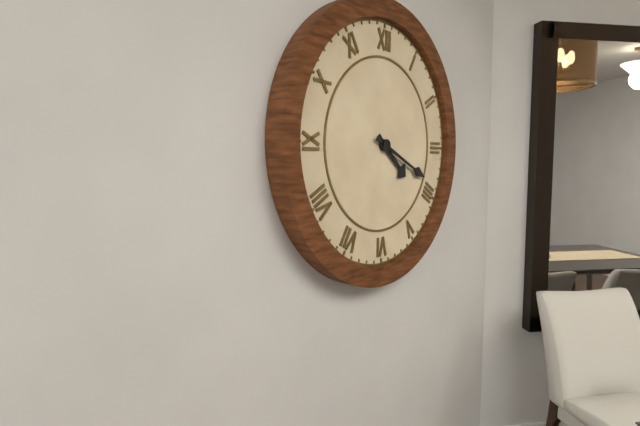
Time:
**4:19**
